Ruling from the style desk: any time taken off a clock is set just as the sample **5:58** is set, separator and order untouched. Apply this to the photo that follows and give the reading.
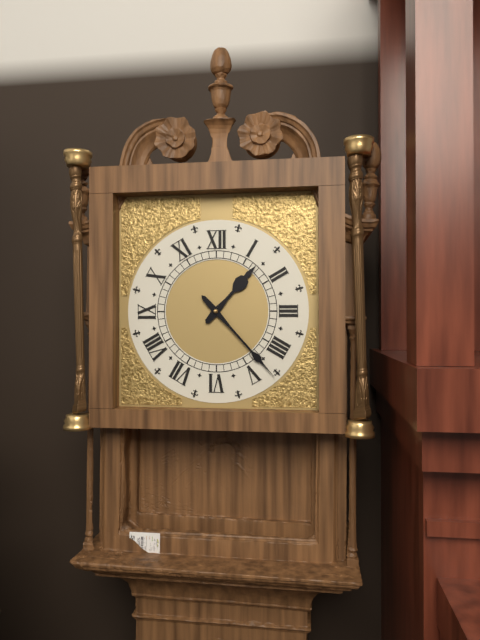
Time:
**1:23**
